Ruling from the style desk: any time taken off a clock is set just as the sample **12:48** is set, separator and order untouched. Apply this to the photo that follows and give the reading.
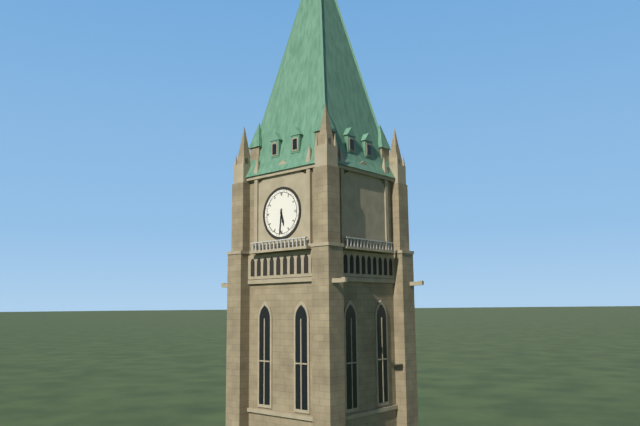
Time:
**5:31**
